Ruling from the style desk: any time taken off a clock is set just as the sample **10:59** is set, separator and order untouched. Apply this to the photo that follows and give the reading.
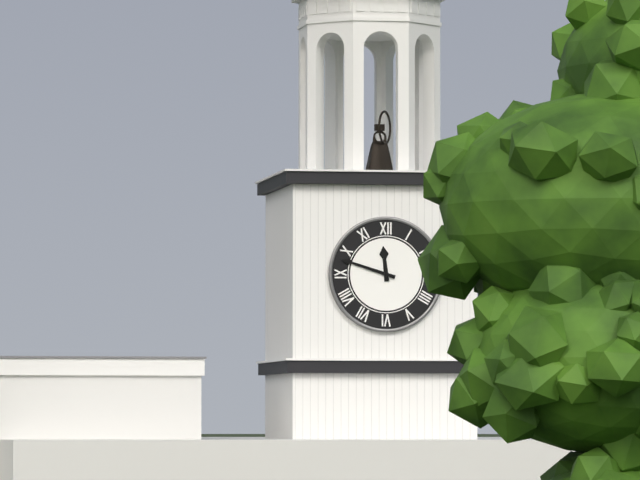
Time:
**11:48**
